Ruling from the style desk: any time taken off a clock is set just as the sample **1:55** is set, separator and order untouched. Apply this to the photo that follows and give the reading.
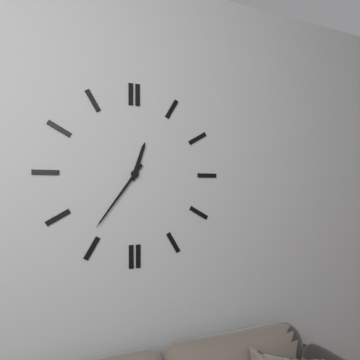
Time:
**12:36**
